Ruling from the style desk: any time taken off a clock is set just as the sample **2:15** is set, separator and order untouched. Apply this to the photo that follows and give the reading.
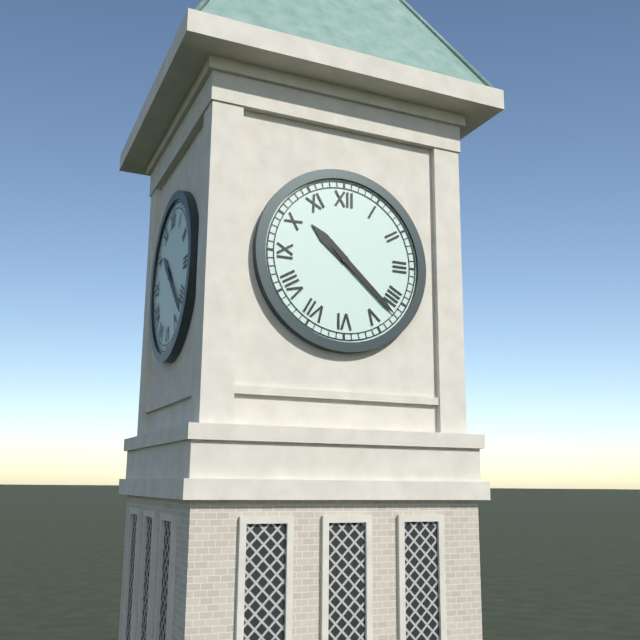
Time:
**10:22**
